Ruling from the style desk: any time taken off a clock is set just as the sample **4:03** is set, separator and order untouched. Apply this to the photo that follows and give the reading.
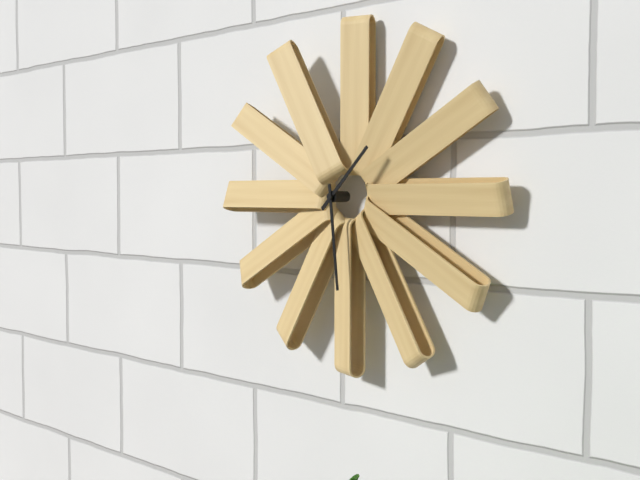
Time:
**1:29**
